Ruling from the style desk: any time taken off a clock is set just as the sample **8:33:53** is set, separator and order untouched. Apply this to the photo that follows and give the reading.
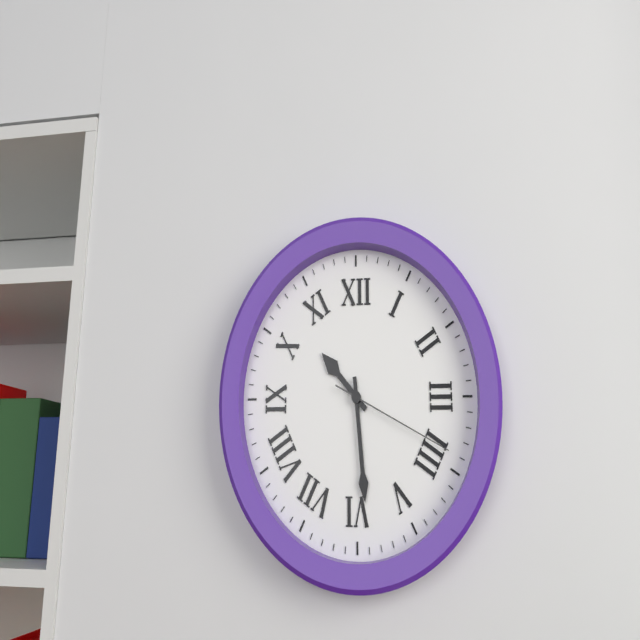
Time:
**10:29:19**
